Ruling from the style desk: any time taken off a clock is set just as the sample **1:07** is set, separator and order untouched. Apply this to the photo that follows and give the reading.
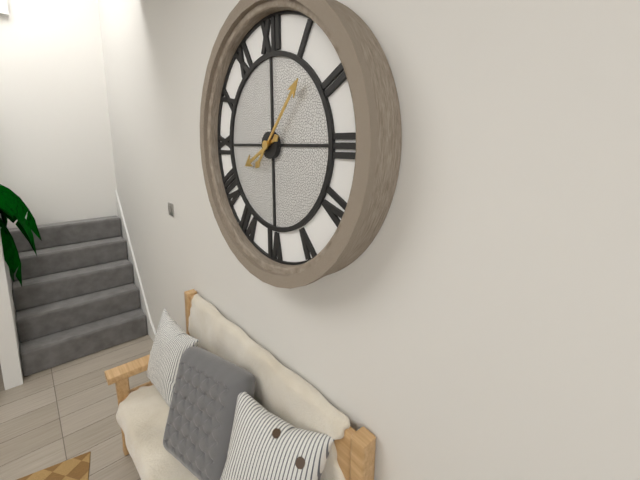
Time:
**8:07**
